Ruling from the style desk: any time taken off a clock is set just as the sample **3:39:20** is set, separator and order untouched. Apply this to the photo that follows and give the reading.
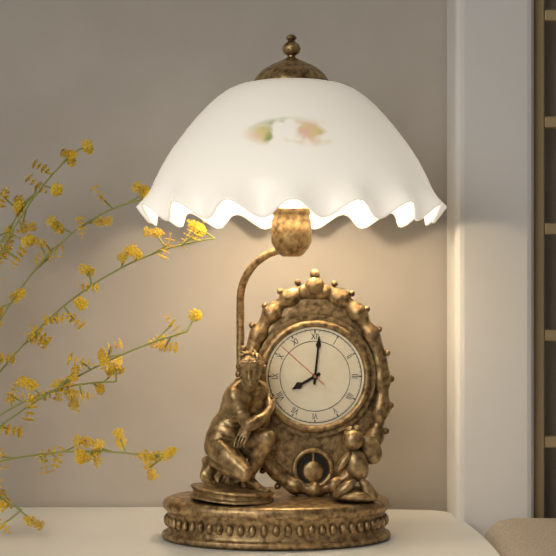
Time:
**8:01:52**
